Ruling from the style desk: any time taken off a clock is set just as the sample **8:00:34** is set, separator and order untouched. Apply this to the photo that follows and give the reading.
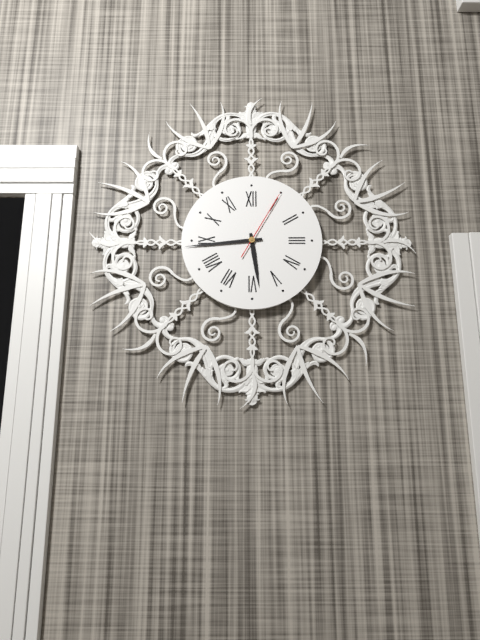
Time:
**5:44:05**
